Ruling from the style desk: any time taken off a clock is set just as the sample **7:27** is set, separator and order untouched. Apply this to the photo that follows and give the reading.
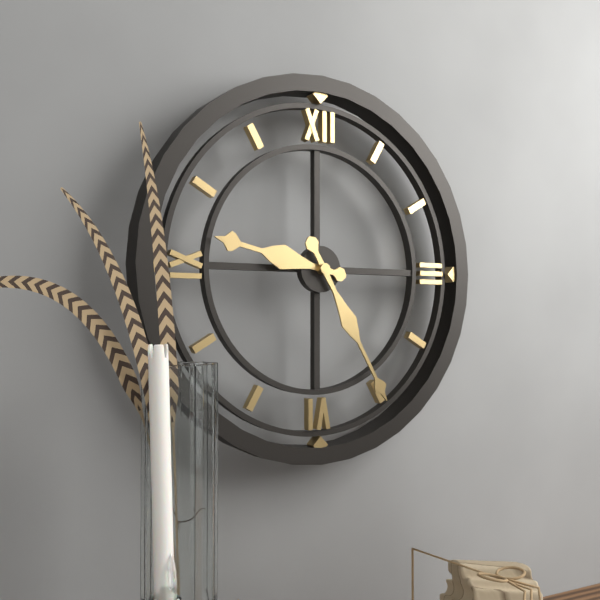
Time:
**9:25**
